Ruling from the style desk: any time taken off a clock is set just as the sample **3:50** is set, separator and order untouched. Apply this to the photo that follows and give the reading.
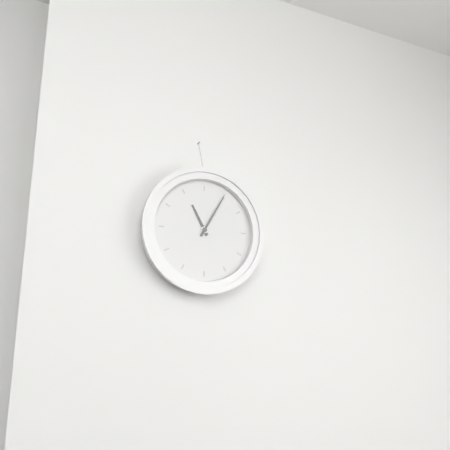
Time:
**11:05**
